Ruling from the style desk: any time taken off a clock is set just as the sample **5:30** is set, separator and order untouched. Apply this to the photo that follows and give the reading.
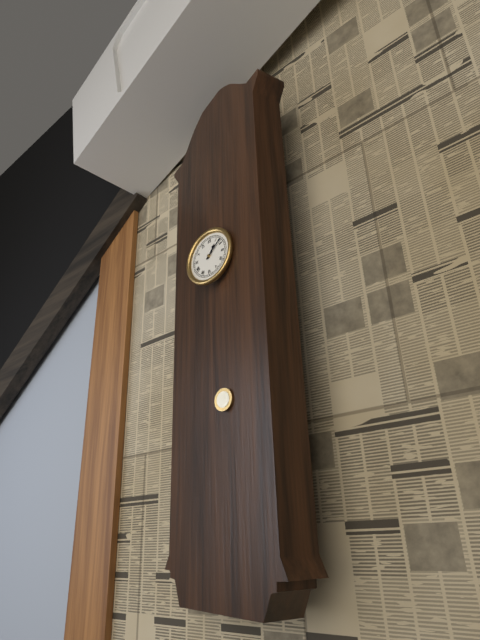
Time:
**1:08**
